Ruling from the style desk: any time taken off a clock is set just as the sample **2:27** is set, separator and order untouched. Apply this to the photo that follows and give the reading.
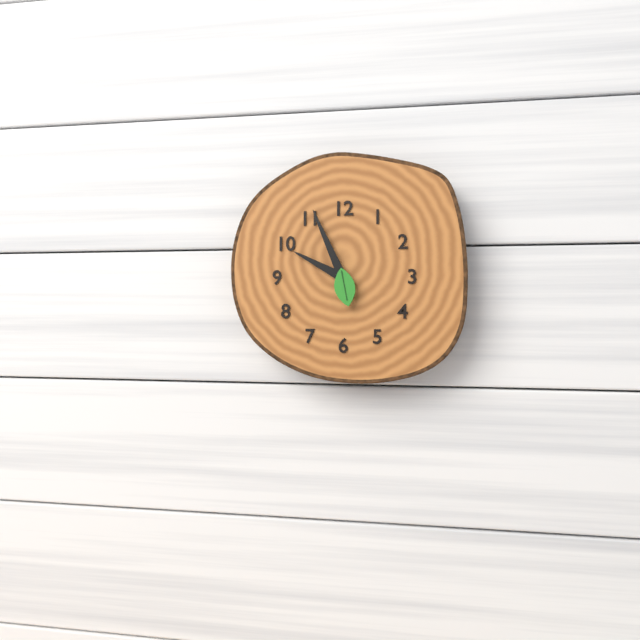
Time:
**9:56**
